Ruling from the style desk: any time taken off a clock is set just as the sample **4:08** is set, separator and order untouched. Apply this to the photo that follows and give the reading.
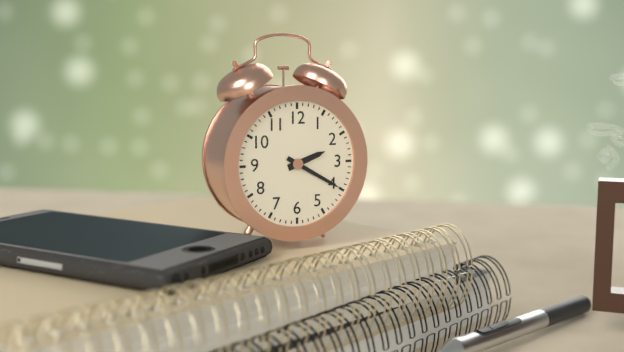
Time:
**2:20**
